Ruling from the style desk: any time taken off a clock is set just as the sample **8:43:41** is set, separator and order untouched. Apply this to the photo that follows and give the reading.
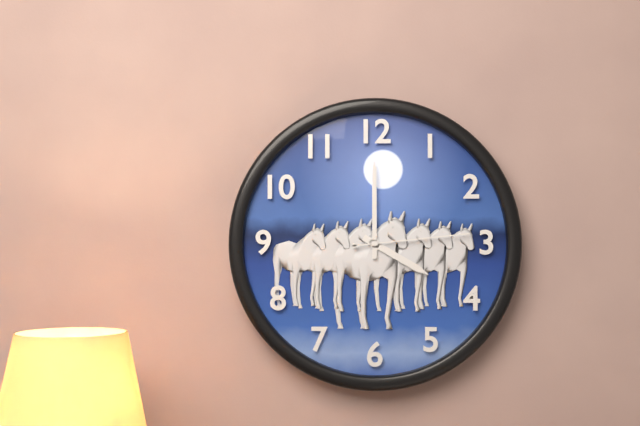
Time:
**4:00:14**
